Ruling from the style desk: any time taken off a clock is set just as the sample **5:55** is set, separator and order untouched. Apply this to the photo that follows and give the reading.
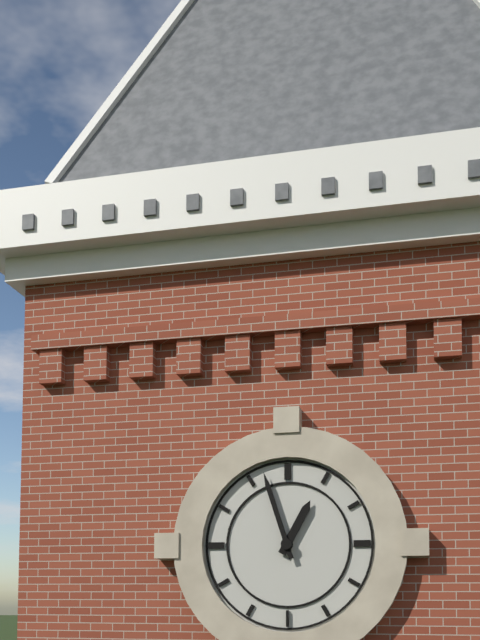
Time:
**12:57**
